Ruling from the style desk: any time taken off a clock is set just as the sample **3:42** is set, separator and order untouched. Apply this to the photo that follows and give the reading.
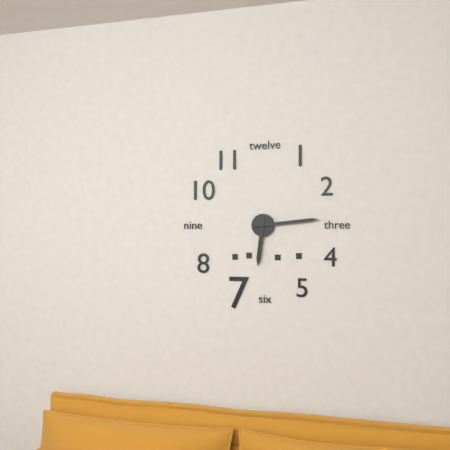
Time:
**6:14**
